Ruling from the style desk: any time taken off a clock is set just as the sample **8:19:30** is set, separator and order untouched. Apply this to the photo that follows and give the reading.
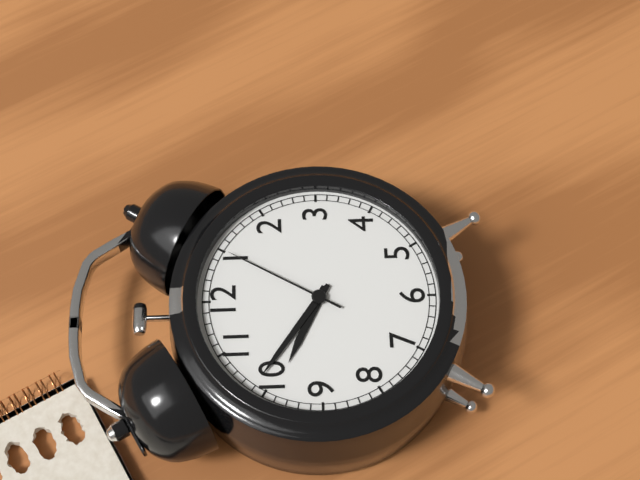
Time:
**9:51:05**
